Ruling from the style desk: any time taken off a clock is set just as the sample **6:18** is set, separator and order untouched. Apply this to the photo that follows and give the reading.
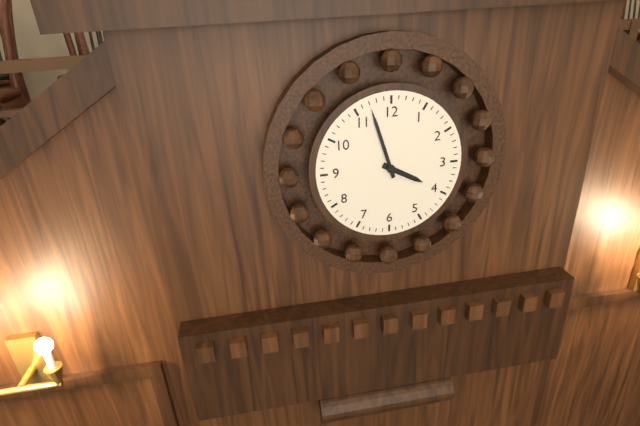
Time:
**3:57**
